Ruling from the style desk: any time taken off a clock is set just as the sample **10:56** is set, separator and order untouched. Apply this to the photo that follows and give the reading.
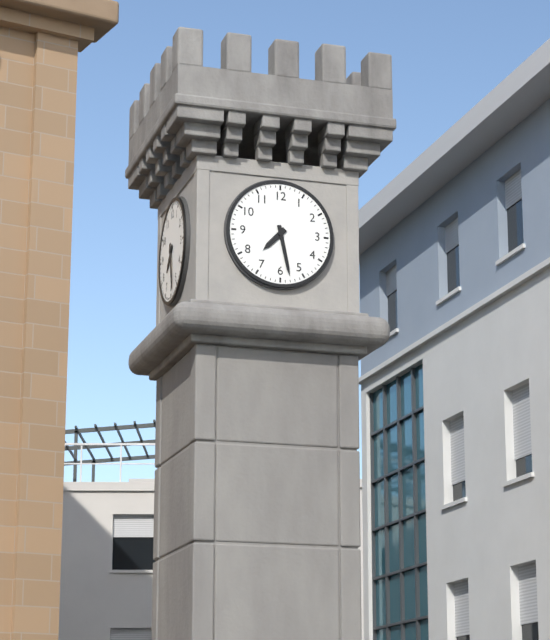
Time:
**7:28**
